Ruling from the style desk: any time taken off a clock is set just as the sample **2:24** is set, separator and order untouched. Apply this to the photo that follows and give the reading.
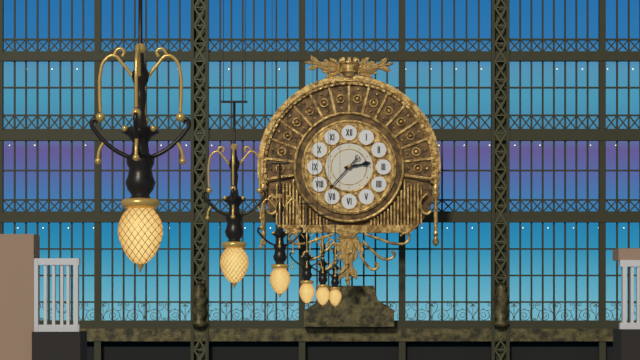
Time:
**2:37**
